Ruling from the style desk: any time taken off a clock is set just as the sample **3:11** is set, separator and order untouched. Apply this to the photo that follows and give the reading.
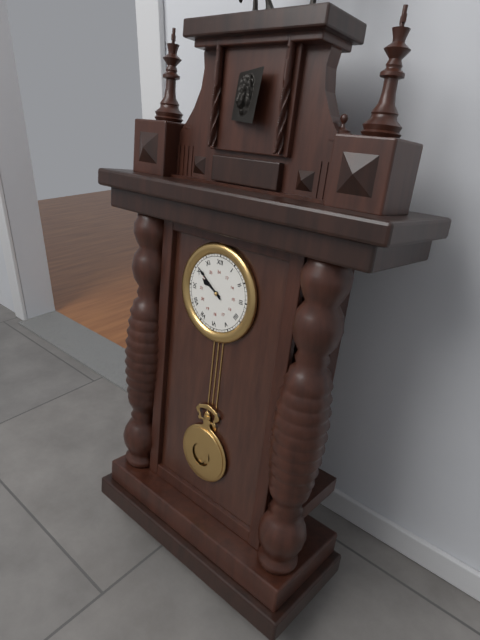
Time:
**9:51**
